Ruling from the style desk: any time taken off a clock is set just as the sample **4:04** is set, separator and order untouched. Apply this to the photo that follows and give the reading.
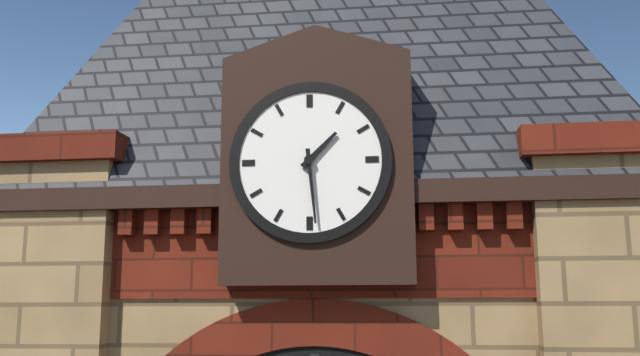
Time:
**1:29**
